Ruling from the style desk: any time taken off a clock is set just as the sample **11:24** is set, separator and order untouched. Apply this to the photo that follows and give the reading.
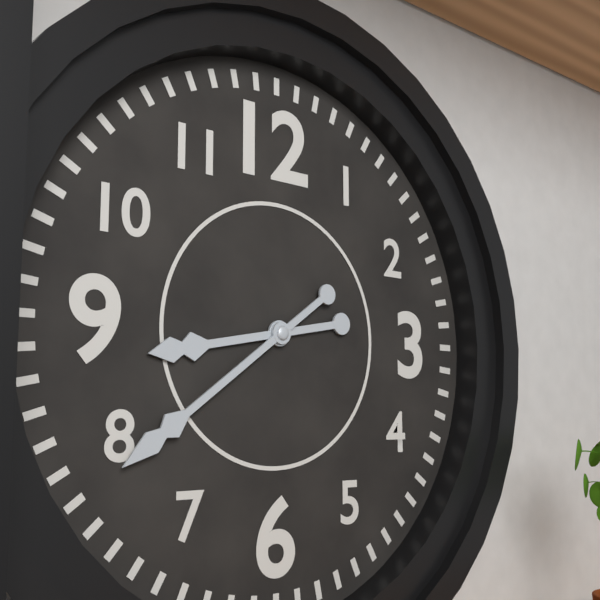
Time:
**8:39**
